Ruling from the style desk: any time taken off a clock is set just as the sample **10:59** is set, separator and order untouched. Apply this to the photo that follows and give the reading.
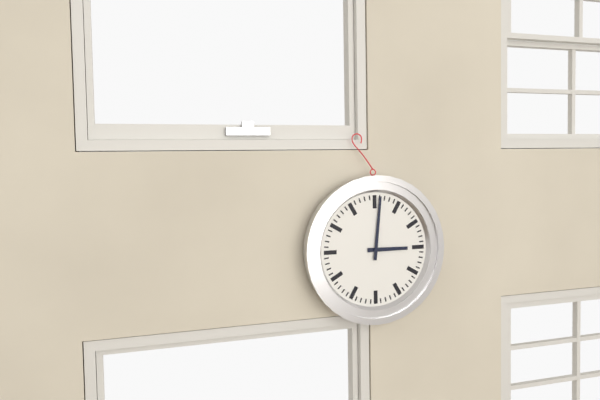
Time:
**3:01**
